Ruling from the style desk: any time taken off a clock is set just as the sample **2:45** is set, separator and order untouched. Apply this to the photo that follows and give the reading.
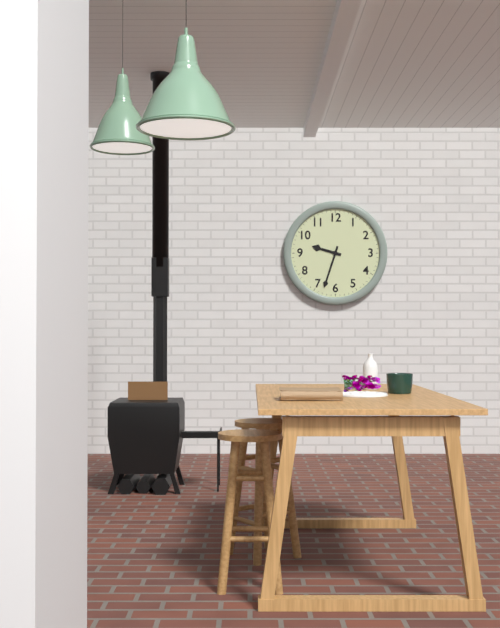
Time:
**9:33**
